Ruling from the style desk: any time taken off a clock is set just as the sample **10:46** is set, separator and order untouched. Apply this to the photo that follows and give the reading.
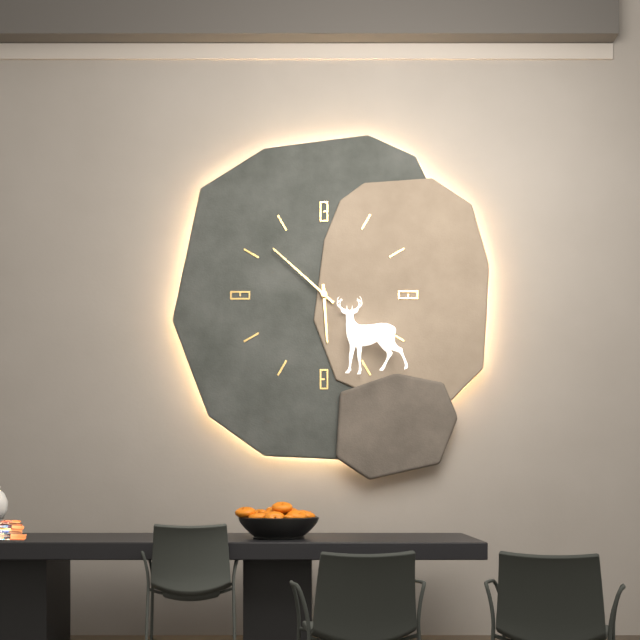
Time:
**5:52**
